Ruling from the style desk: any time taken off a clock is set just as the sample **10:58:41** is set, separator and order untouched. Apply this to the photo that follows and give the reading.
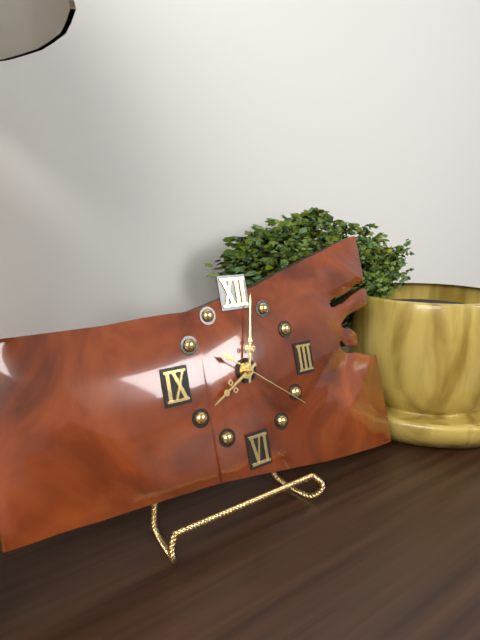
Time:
**8:02:21**
